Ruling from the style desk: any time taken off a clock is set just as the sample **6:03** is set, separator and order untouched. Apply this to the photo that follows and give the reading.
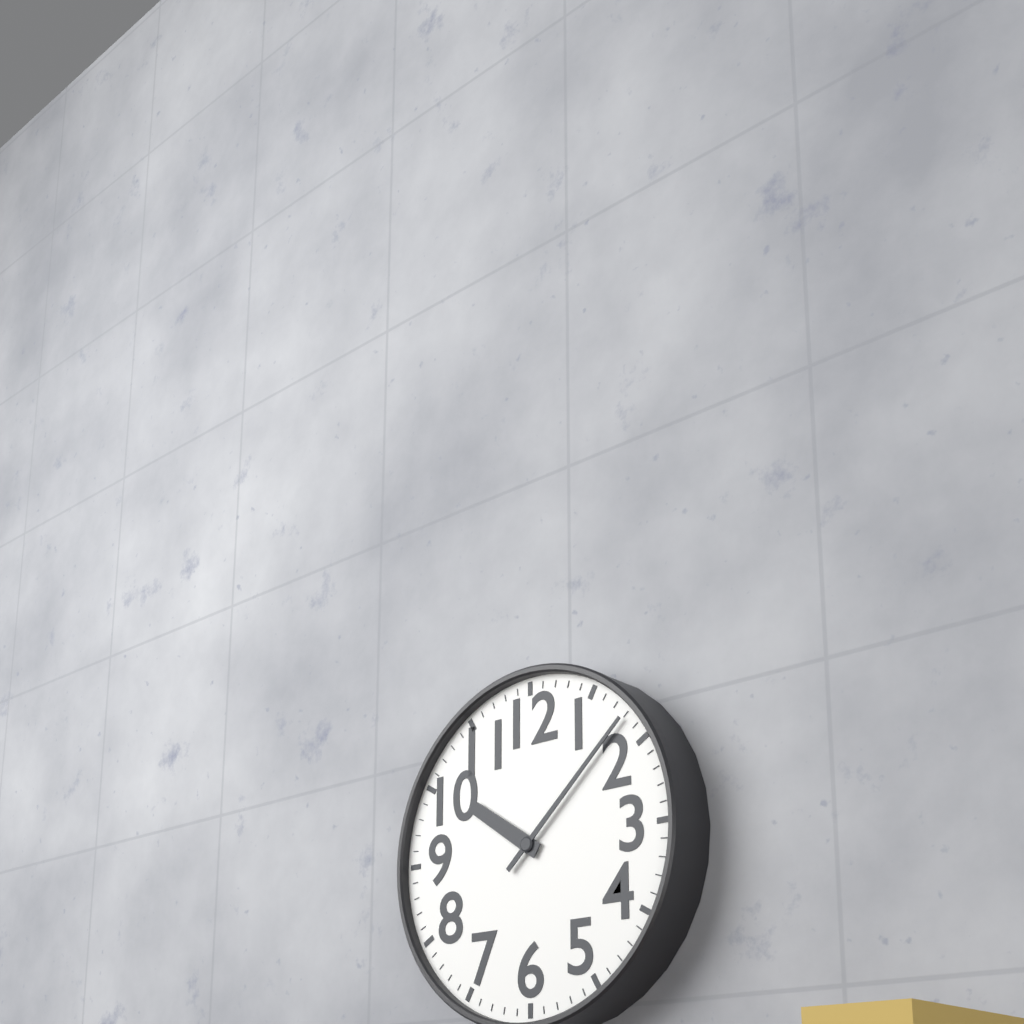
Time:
**10:08**
